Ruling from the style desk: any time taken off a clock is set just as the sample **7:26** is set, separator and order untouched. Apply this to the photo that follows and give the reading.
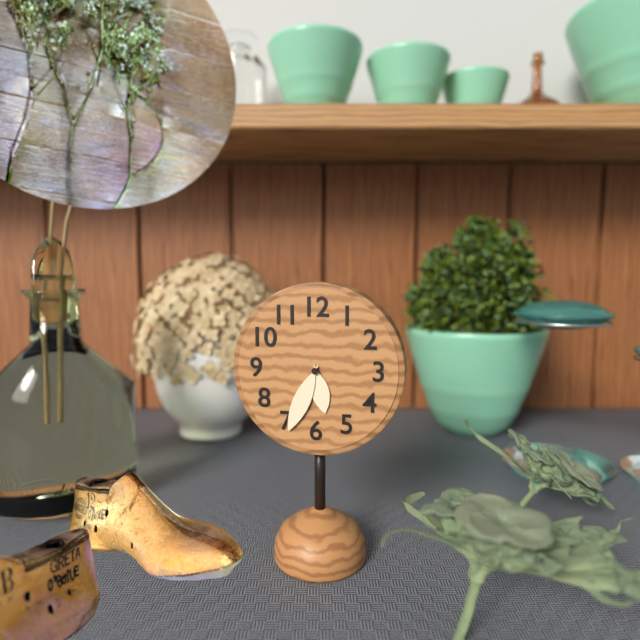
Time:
**5:34**
